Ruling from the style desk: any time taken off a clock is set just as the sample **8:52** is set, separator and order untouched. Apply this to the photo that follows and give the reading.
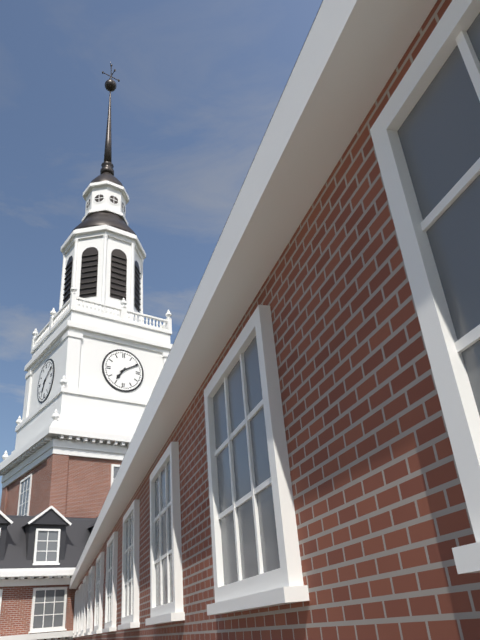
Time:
**7:10**
